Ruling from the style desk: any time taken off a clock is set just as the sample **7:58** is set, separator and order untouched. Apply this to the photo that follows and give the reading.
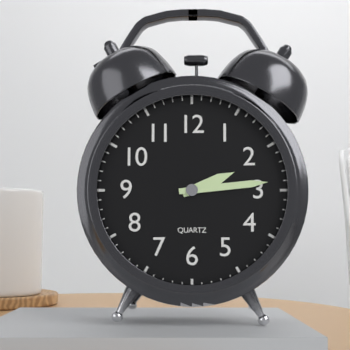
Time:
**2:14**
